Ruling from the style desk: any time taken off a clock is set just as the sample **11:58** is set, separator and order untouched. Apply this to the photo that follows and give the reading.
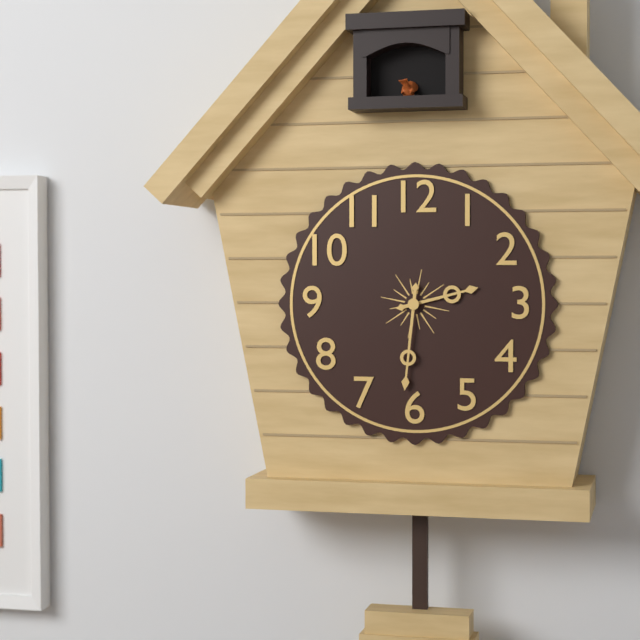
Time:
**2:31**
